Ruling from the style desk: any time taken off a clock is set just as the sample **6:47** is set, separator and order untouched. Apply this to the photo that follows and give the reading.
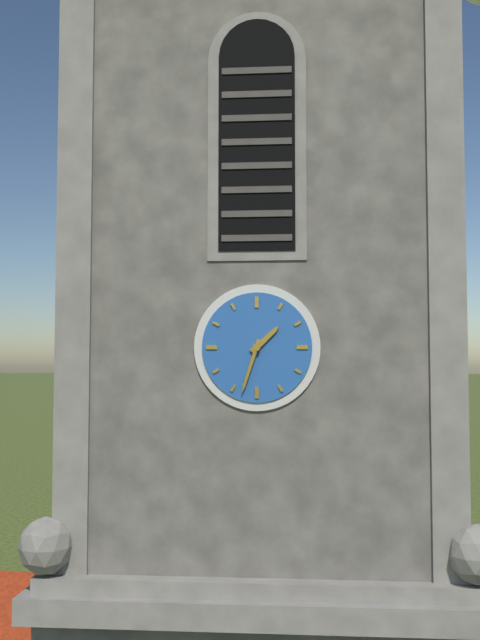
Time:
**1:33**
